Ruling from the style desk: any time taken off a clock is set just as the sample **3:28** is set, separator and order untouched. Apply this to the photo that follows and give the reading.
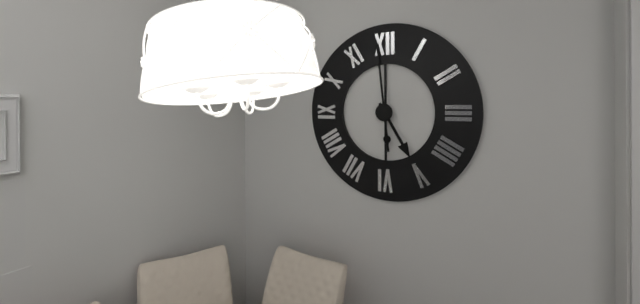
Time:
**4:59**
